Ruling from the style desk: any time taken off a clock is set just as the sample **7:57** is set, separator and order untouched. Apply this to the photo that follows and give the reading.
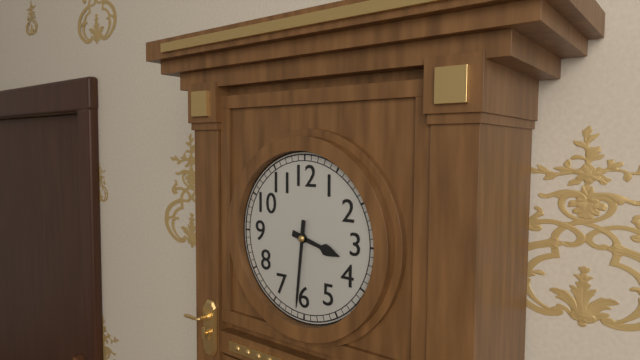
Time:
**3:31**
